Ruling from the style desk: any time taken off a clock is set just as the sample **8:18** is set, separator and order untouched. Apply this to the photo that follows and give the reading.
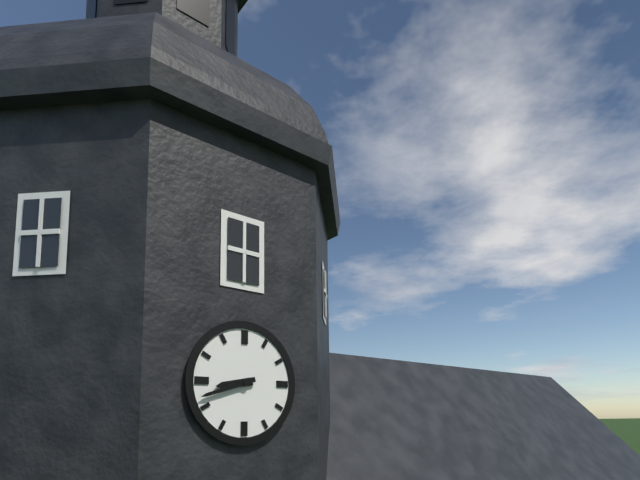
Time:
**8:42**
